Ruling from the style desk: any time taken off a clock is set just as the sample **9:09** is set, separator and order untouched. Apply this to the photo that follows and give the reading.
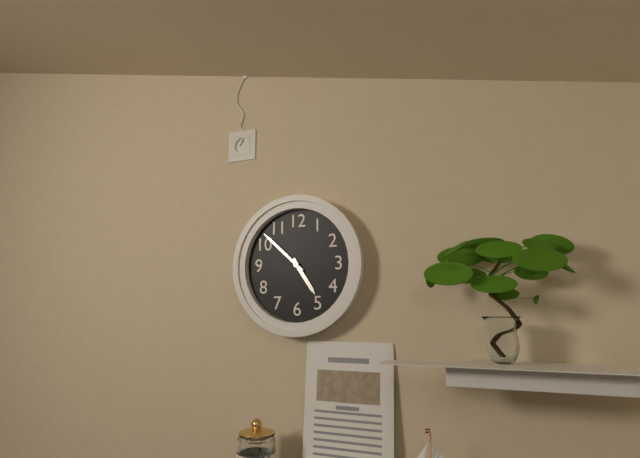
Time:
**4:52**
